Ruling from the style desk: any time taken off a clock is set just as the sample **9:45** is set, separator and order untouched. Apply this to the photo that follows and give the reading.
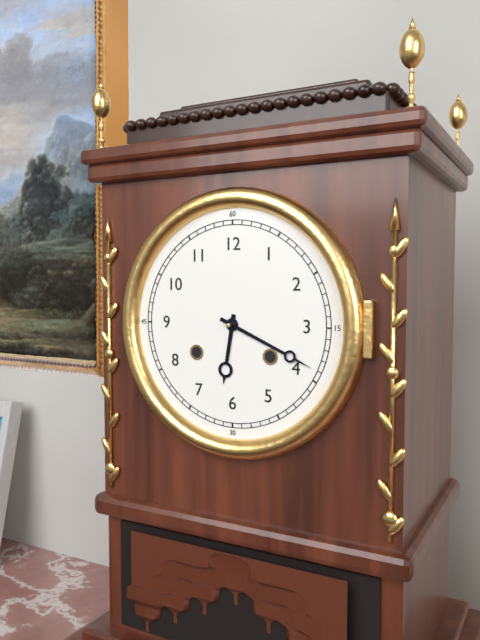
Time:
**6:19**
